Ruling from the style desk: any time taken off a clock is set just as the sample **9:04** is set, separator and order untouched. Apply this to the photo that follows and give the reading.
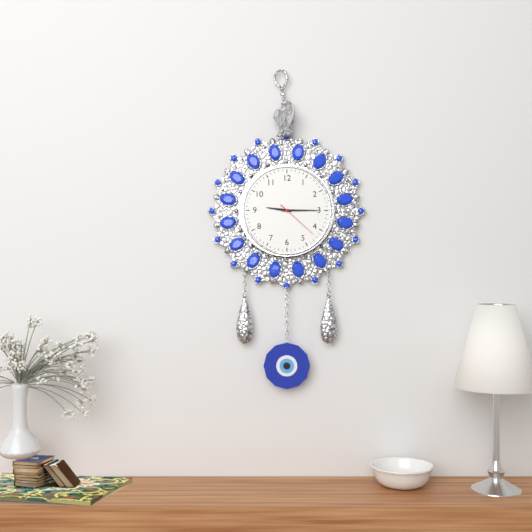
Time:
**9:15**
